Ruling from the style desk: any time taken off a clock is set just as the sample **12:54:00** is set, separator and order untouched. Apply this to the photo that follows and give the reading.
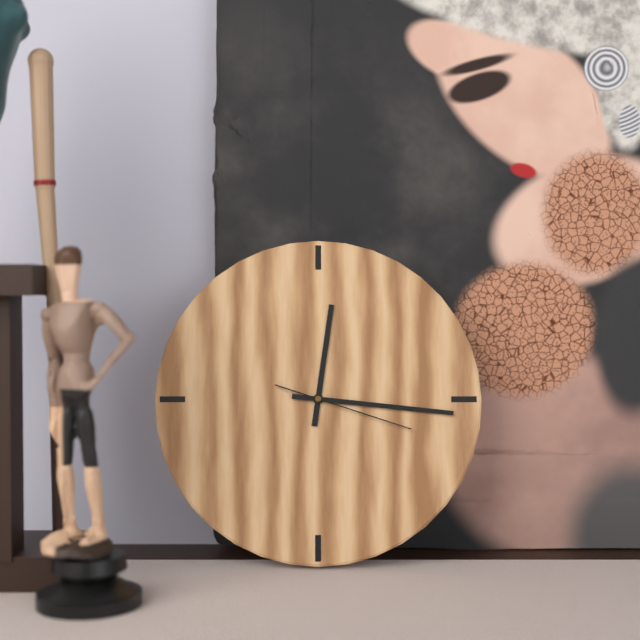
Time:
**12:16:18**
